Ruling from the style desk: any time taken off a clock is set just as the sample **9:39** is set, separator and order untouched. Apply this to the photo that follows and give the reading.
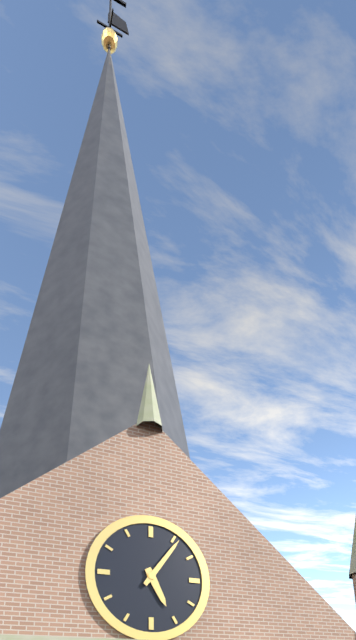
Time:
**5:06**
